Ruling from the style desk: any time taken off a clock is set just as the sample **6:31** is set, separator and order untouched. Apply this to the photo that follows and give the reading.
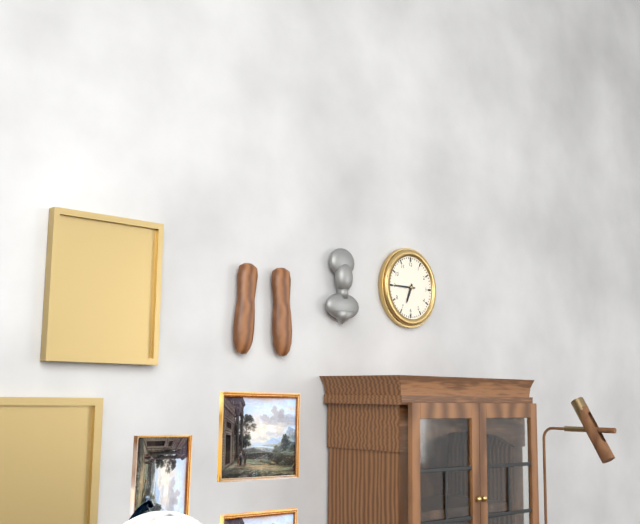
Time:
**6:45**
